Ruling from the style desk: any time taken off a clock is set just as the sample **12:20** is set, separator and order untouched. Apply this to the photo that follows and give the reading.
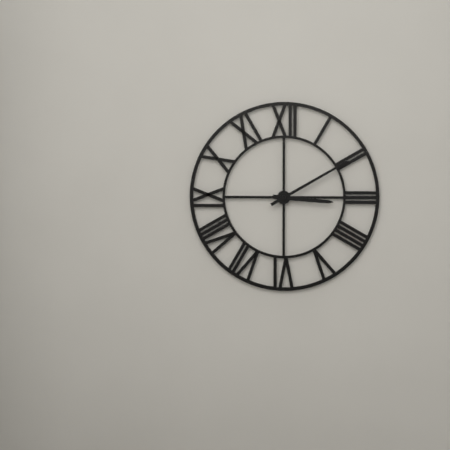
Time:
**3:10**
